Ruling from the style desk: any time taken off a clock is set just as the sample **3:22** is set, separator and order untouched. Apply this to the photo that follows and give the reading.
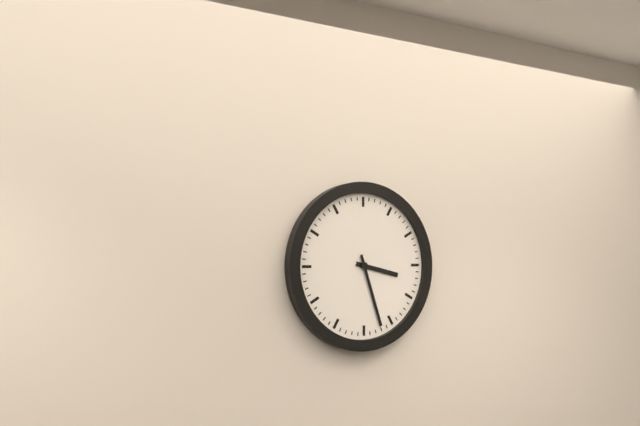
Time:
**3:27**
